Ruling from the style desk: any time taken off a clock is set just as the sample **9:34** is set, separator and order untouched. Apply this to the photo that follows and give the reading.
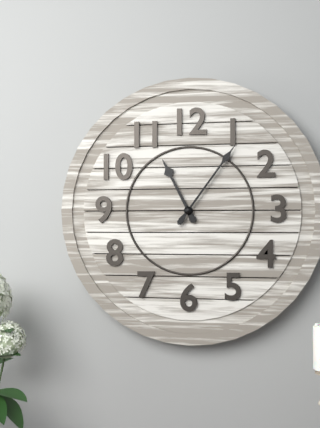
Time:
**11:06**
